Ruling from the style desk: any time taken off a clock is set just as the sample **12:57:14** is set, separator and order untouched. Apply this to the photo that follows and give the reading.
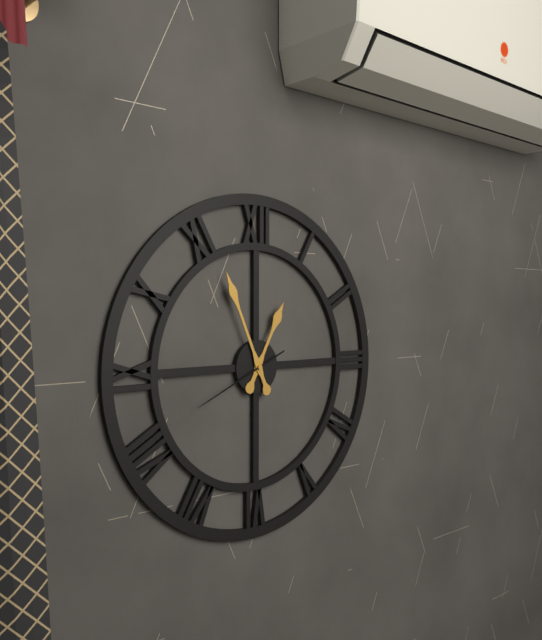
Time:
**12:56:41**
